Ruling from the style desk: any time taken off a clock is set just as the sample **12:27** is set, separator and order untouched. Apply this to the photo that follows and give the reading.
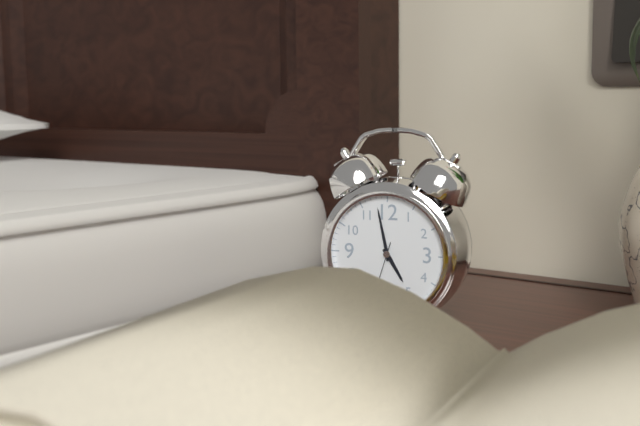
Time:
**4:58**
